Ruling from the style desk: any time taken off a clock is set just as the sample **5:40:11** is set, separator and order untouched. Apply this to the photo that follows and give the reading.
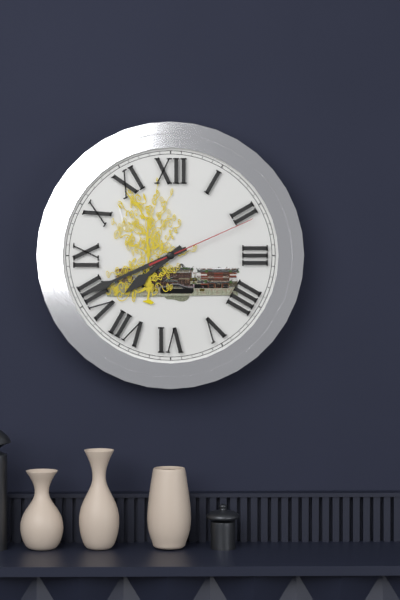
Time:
**7:41:11**
